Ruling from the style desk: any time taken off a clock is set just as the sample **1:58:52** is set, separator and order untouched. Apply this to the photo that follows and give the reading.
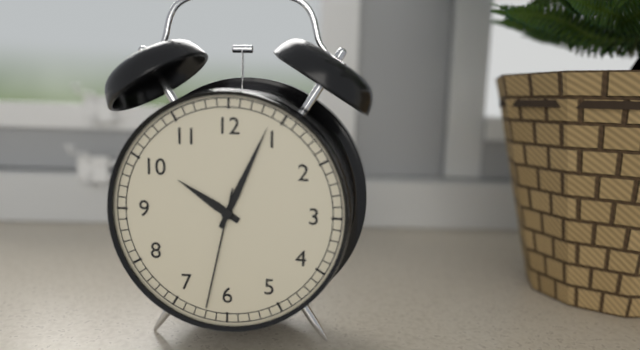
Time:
**10:04:32**
